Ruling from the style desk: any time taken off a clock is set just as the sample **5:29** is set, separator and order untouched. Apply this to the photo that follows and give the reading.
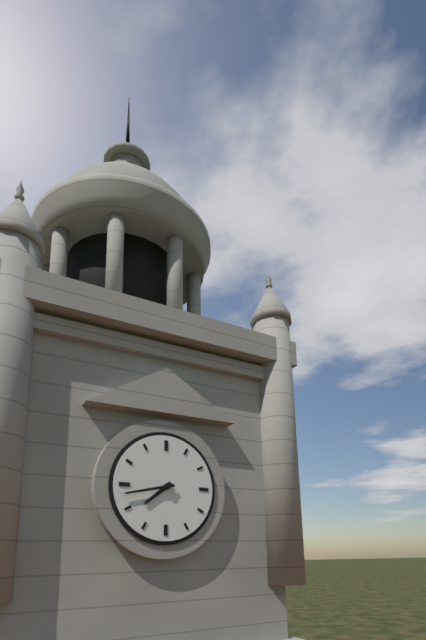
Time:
**7:43**
